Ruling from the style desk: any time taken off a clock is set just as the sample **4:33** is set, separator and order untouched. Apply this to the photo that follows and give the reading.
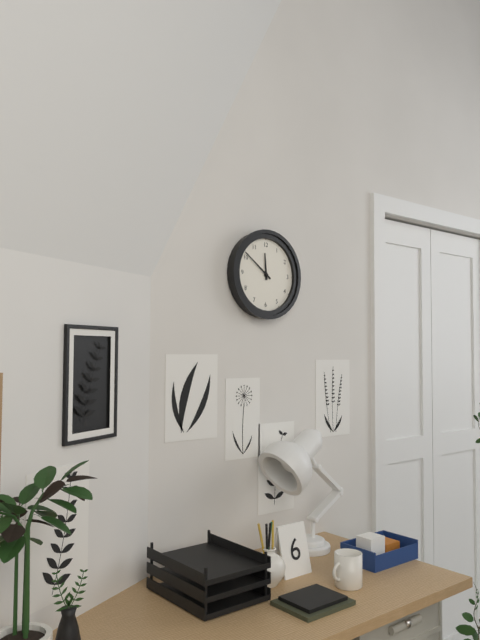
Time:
**11:51**
